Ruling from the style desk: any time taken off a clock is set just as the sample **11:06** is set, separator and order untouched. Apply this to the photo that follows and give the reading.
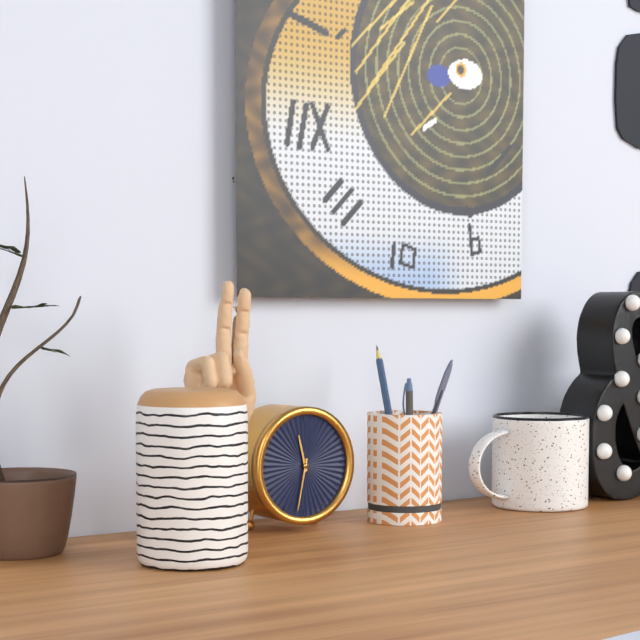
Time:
**11:32**
